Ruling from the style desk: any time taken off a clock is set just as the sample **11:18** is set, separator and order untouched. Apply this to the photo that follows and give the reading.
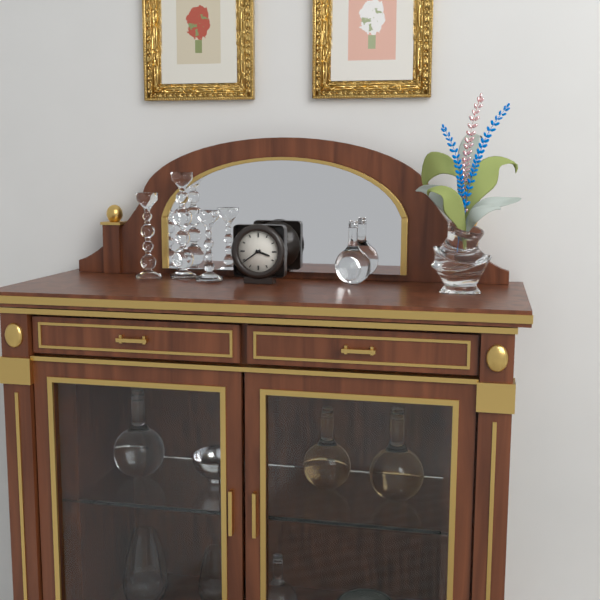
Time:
**3:39**
